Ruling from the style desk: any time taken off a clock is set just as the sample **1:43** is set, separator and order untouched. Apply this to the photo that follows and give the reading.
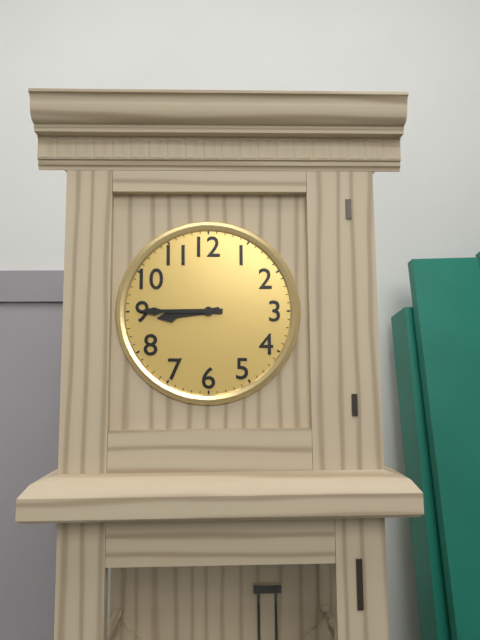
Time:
**8:45**
